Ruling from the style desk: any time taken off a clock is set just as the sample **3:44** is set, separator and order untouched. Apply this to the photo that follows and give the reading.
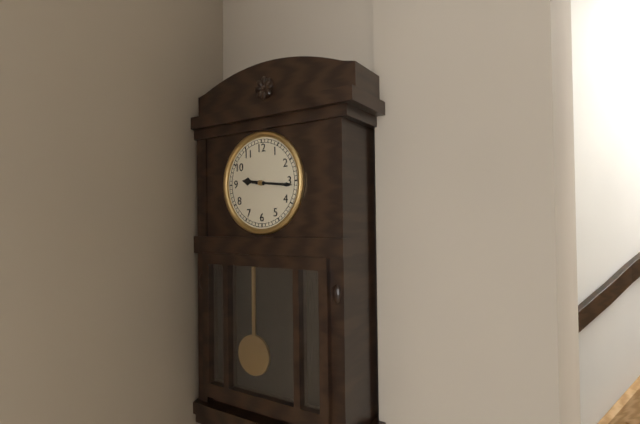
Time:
**9:16**
